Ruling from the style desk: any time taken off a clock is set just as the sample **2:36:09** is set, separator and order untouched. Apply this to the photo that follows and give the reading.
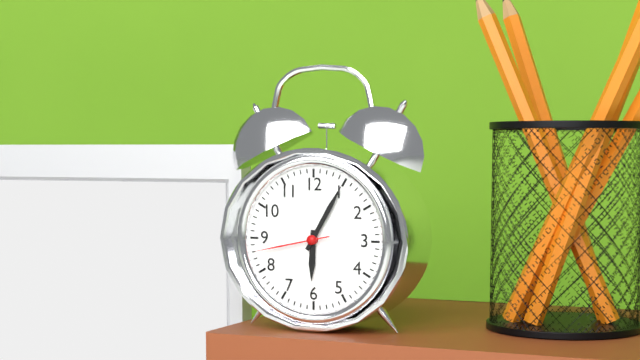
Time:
**6:05:43**
